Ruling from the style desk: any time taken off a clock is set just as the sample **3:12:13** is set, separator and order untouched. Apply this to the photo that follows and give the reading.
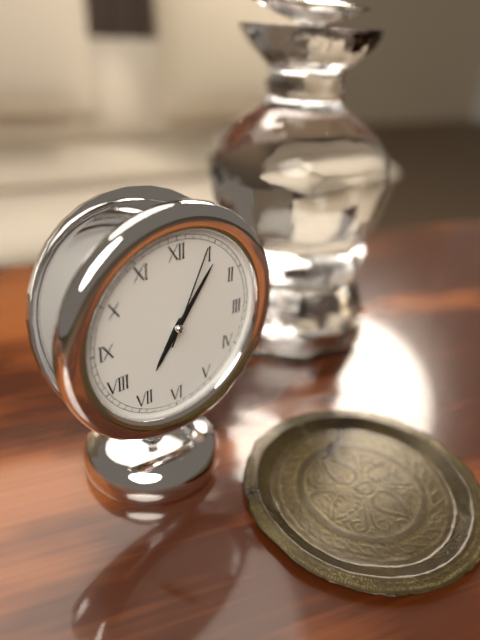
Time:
**7:06:04**
